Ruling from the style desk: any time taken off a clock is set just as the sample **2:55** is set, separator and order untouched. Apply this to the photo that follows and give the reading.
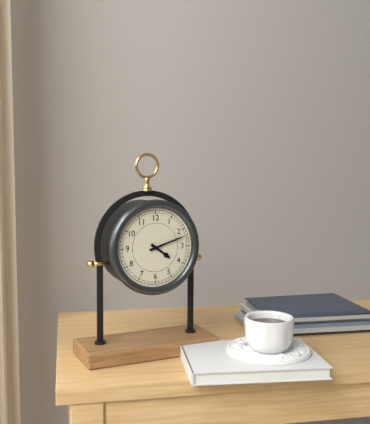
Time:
**4:12**
